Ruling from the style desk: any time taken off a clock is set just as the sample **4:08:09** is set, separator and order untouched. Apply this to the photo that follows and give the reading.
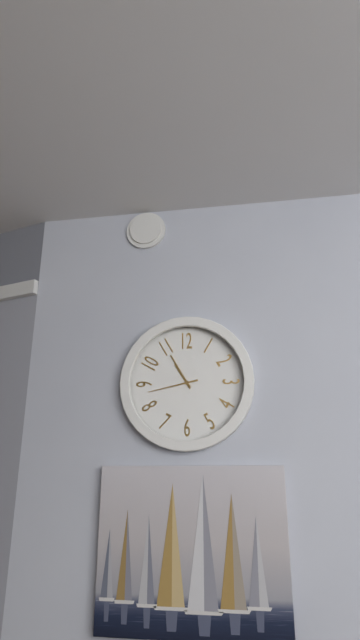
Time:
**10:55:43**
